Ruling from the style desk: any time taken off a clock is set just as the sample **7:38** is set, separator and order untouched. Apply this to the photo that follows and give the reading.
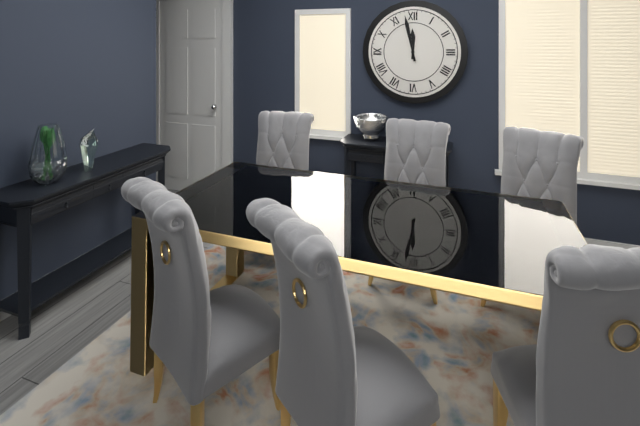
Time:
**11:58**
